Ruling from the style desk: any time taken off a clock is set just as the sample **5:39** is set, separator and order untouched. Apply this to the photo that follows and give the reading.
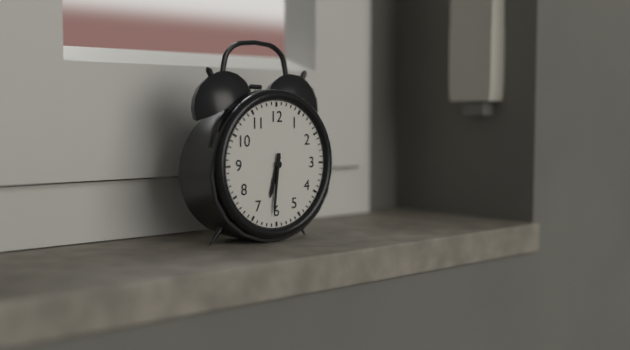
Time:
**6:31**
